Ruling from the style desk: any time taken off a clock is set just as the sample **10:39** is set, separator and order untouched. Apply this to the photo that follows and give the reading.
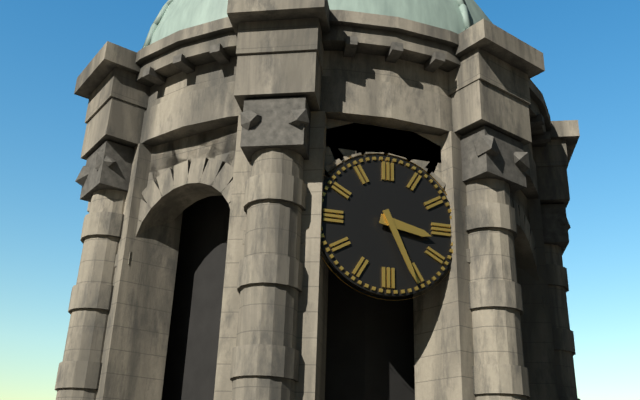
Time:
**3:26**
